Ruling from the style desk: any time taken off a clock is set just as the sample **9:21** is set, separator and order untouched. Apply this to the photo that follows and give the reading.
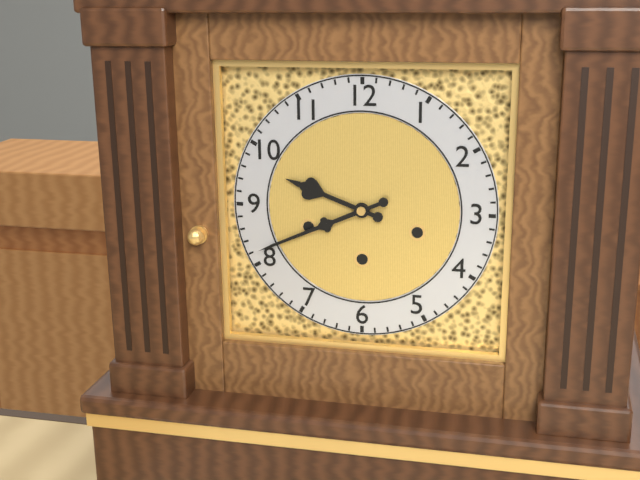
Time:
**9:41**
